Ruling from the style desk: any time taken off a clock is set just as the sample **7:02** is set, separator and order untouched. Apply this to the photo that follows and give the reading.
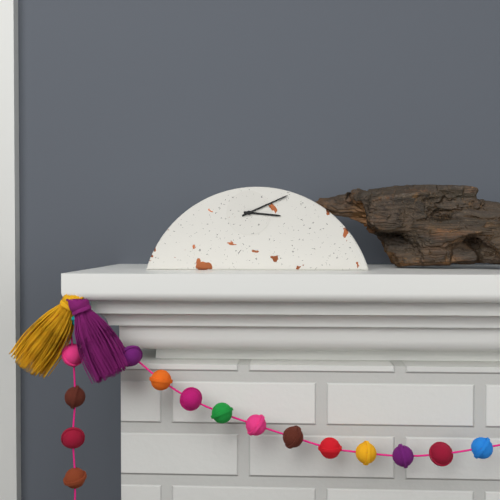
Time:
**3:11**
